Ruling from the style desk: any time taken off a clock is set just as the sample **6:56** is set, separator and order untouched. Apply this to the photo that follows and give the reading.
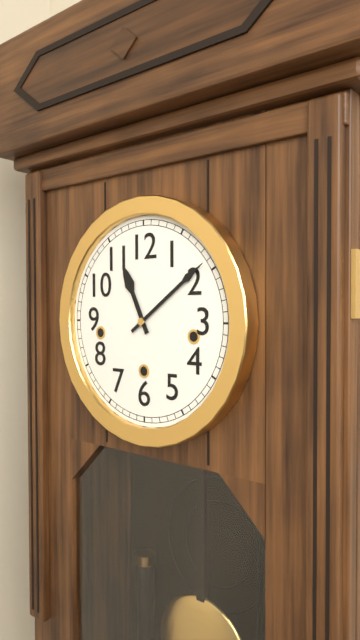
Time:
**11:09**
